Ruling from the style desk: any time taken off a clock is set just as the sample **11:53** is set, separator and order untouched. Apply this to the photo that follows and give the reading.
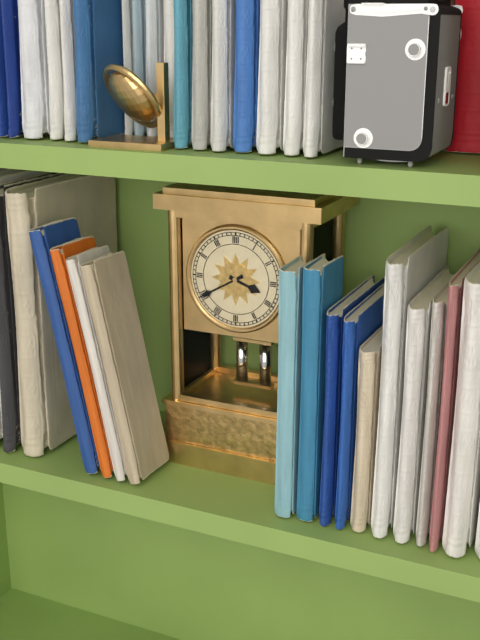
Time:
**3:40**
